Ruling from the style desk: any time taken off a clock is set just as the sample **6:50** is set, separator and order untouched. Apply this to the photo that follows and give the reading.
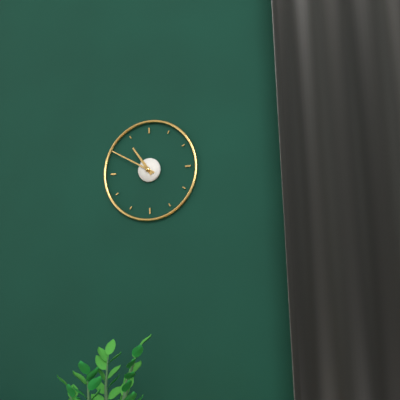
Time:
**10:50**
